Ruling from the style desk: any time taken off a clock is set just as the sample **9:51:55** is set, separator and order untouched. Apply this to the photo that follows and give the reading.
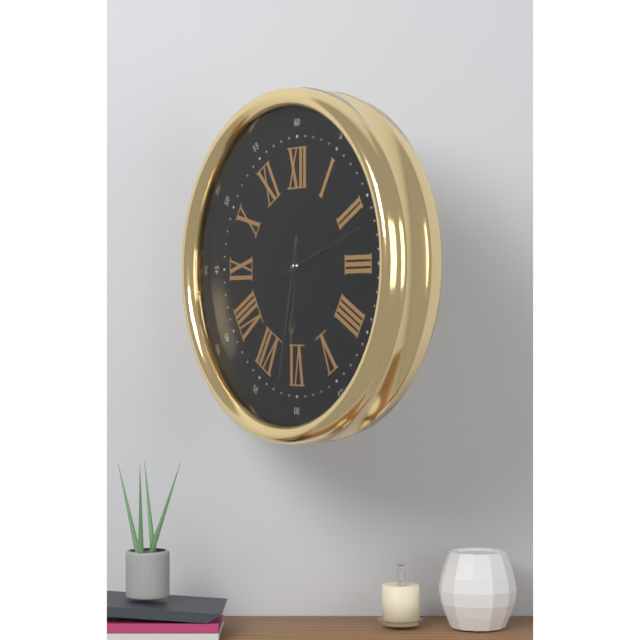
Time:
**6:12:32**
